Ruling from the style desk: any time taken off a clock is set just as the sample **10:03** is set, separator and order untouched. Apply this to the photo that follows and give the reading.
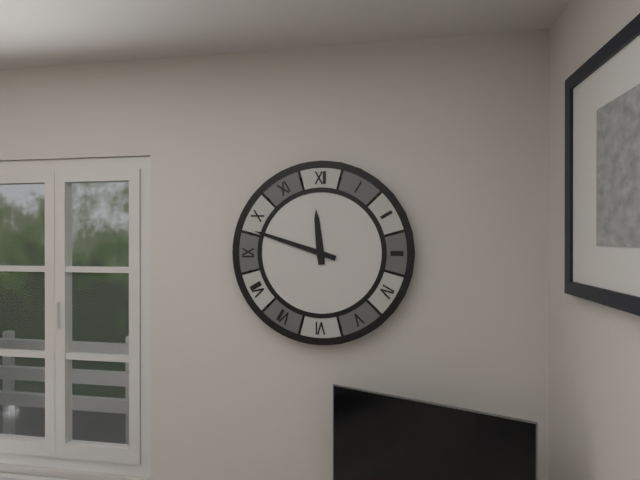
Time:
**11:48**
